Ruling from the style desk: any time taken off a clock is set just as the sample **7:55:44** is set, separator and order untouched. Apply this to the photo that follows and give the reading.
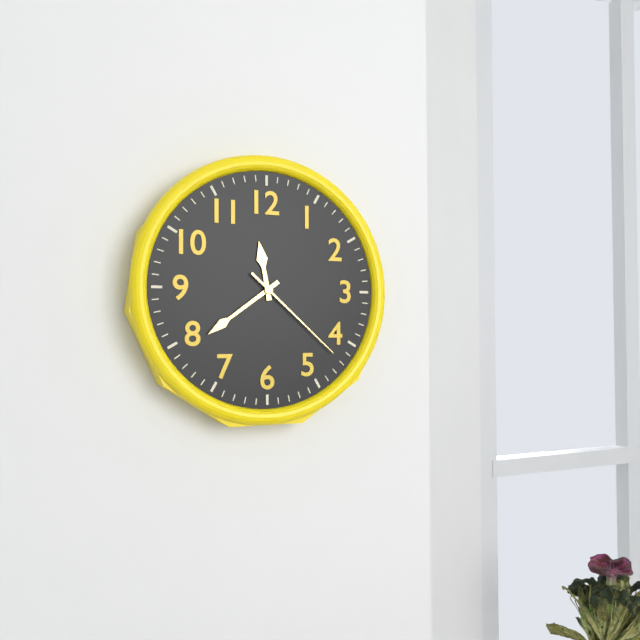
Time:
**11:39:22**
